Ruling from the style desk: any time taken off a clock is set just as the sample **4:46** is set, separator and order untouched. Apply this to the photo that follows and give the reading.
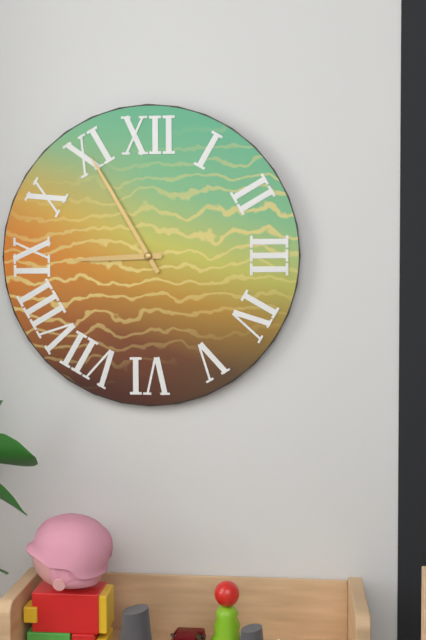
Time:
**8:55**
